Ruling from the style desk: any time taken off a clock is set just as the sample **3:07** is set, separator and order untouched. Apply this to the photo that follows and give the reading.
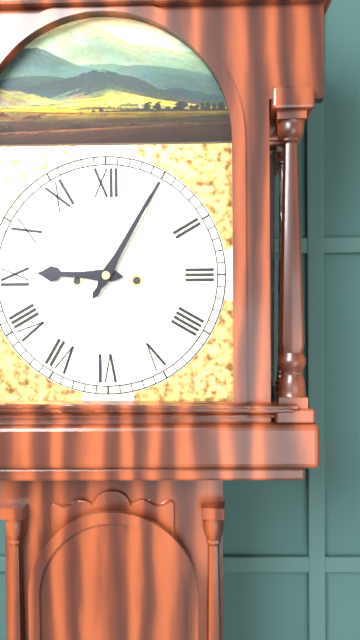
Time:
**9:05**
